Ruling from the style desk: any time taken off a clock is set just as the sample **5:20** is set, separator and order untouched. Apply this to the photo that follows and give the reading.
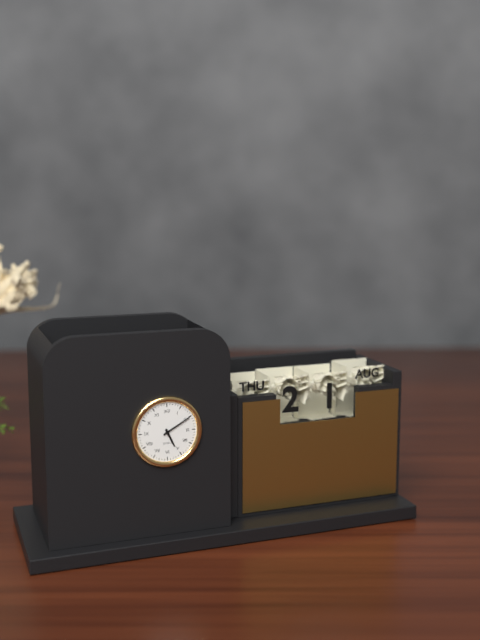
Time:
**5:10**
